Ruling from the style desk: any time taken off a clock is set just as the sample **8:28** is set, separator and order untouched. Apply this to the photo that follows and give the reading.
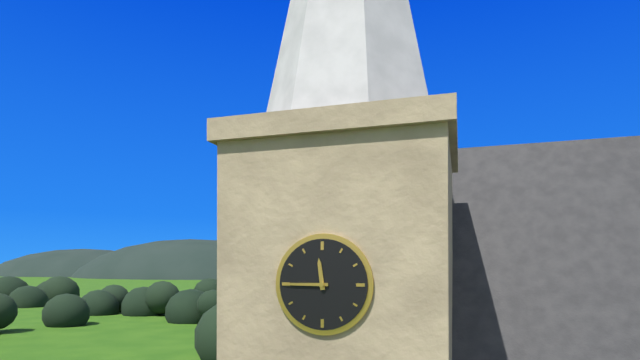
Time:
**11:45**
